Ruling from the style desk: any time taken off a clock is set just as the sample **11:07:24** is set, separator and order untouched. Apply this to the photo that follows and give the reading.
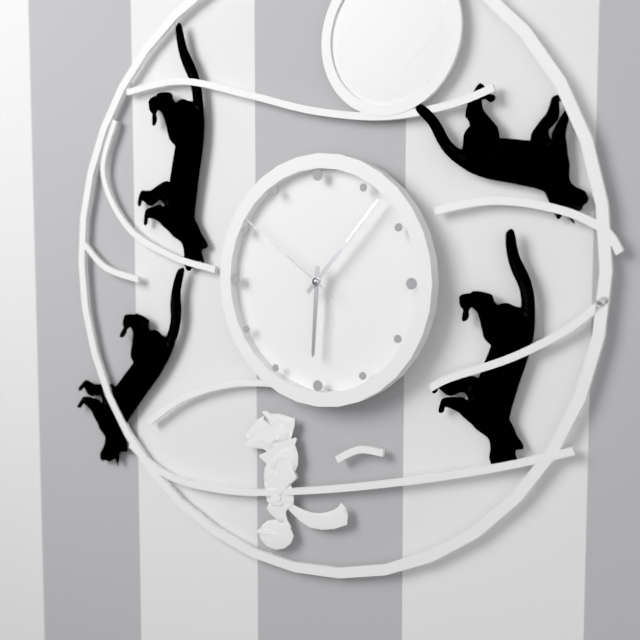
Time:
**6:07:51**
